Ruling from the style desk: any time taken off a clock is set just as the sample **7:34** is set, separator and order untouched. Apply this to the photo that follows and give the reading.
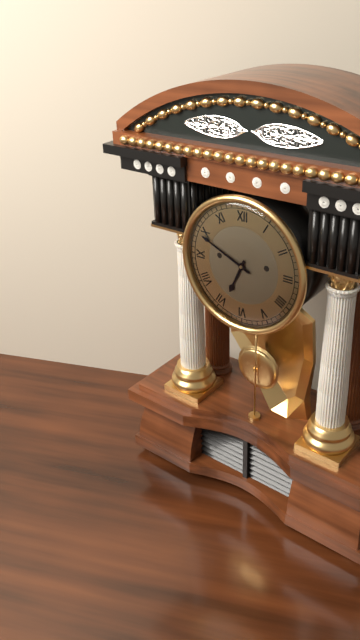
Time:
**6:49**
